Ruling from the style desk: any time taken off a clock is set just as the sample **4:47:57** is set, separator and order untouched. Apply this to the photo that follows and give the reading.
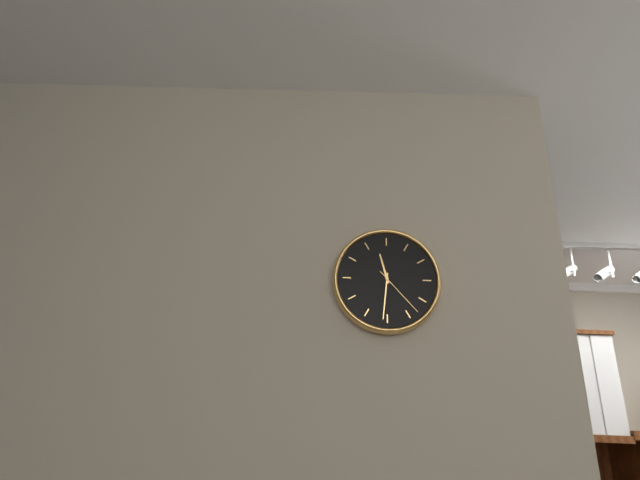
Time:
**11:31:23**
